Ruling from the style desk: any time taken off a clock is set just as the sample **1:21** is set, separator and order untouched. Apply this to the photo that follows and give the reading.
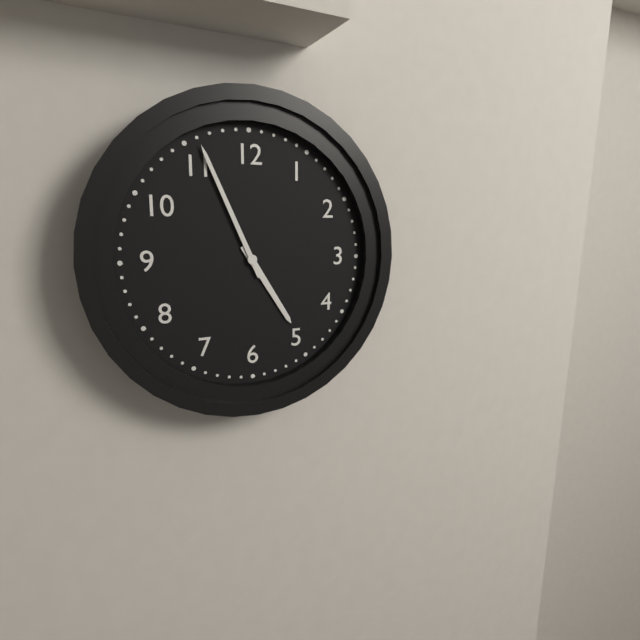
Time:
**4:56**
